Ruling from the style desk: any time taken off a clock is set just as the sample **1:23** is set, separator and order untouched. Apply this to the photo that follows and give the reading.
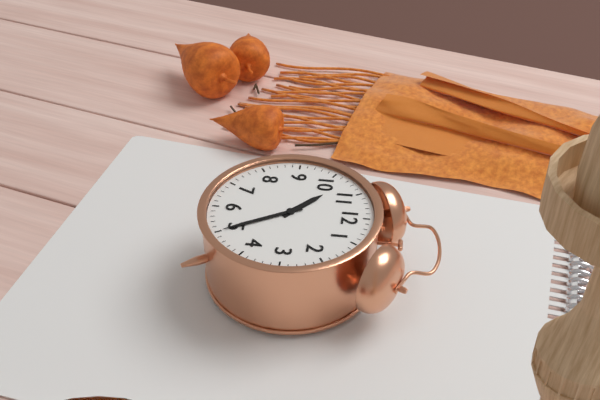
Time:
**10:25**
